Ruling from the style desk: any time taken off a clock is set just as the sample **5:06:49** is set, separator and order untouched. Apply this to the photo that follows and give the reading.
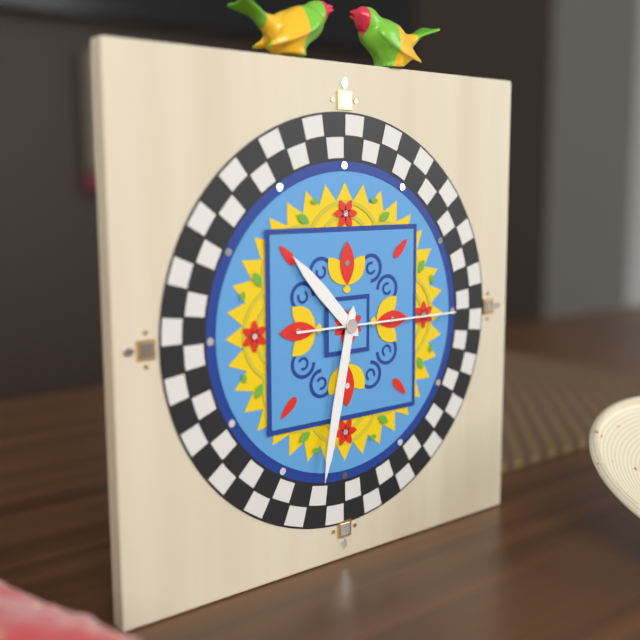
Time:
**10:32:15**
